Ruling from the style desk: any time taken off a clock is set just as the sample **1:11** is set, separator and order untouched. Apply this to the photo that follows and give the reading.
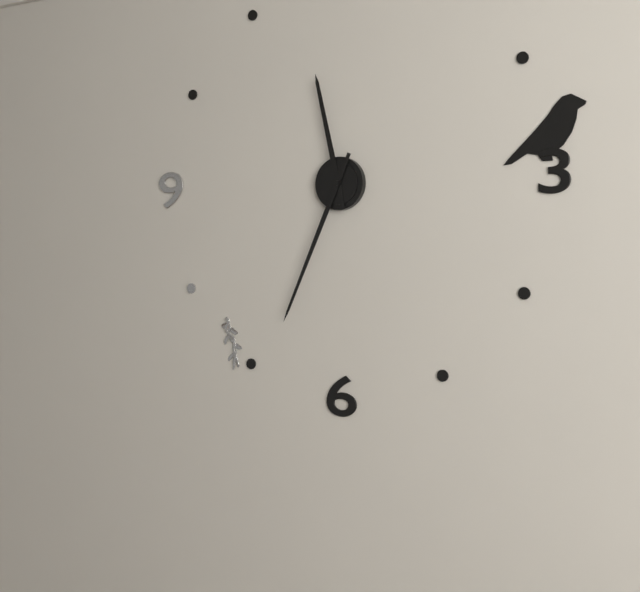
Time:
**11:34**
